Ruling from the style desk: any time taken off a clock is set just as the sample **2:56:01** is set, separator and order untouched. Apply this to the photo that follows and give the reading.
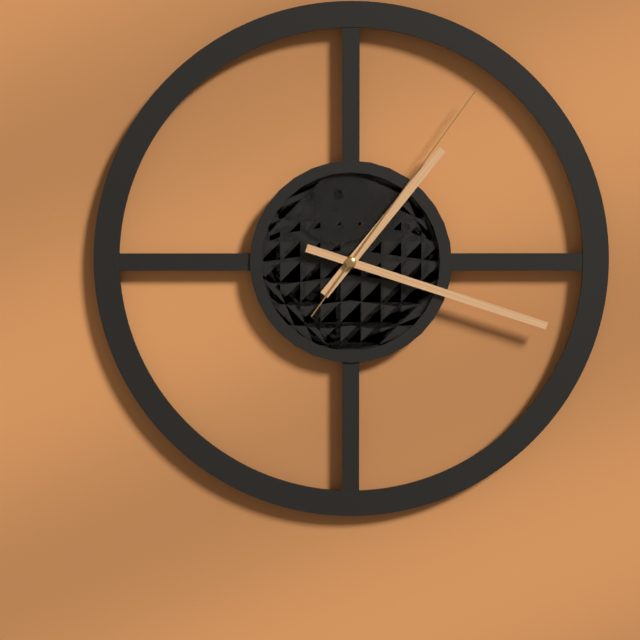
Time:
**1:18:06**
